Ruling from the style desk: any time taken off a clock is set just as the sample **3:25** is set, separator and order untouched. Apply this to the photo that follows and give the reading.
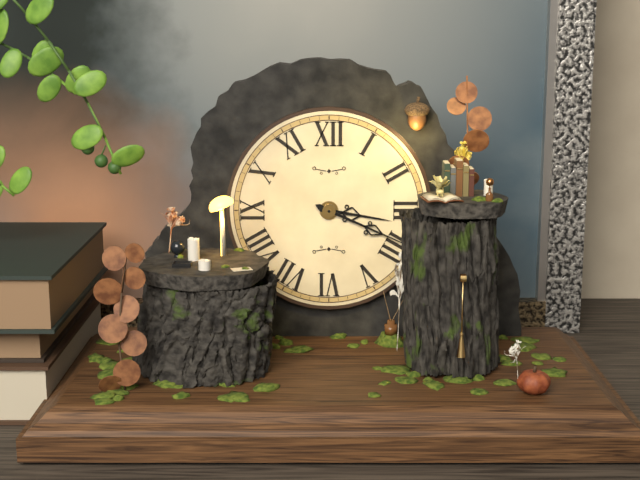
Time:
**3:19**
